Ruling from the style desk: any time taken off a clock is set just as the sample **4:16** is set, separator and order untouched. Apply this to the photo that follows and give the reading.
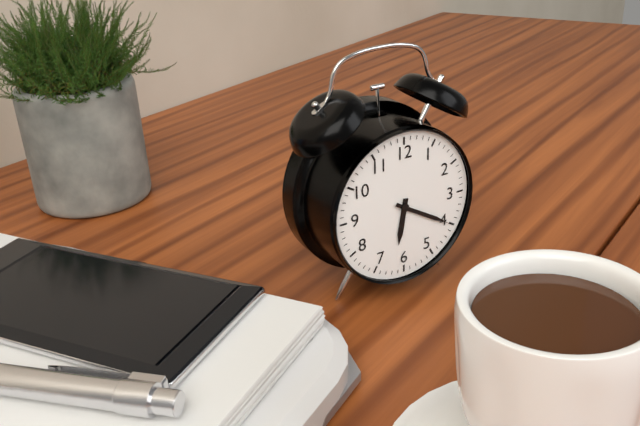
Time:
**6:20**
